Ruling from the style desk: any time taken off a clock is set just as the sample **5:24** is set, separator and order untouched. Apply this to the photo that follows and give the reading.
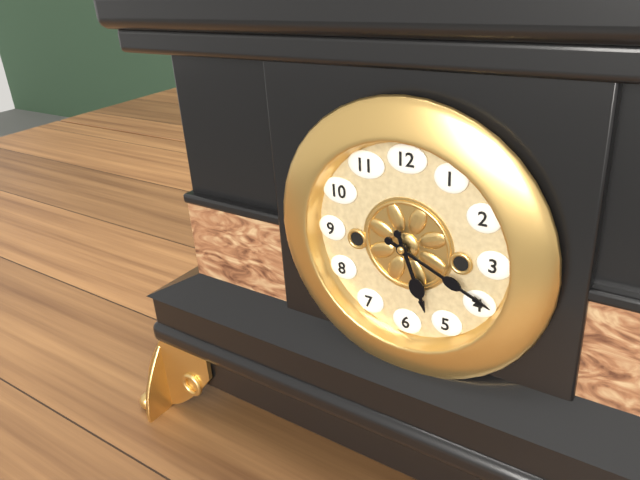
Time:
**5:19**
